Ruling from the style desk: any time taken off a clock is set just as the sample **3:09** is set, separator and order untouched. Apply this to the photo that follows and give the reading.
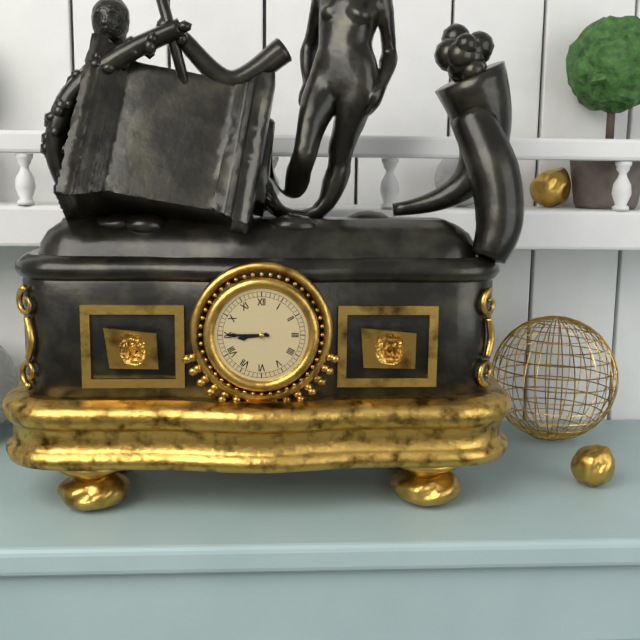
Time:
**8:45**
